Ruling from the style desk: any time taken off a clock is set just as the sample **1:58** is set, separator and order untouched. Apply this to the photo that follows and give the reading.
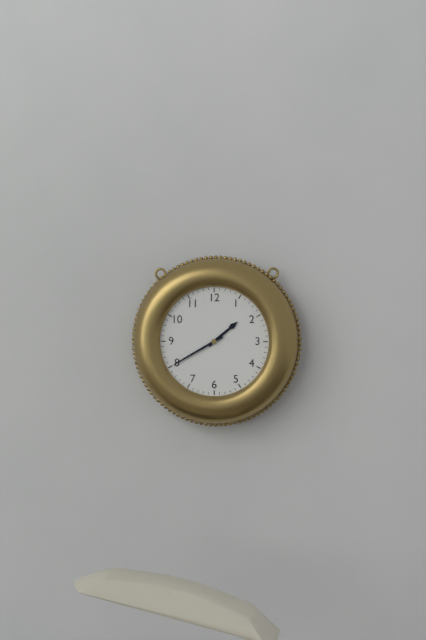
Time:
**1:40**
